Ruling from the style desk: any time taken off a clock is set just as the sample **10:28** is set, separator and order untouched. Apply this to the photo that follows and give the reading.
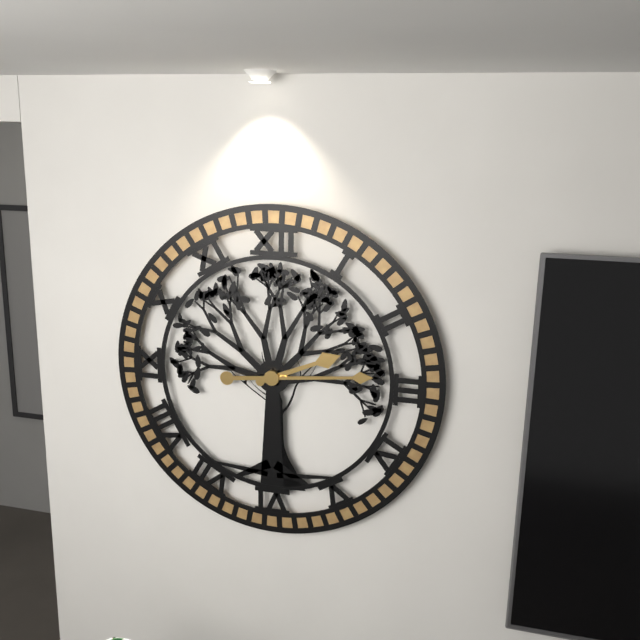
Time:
**2:14**
